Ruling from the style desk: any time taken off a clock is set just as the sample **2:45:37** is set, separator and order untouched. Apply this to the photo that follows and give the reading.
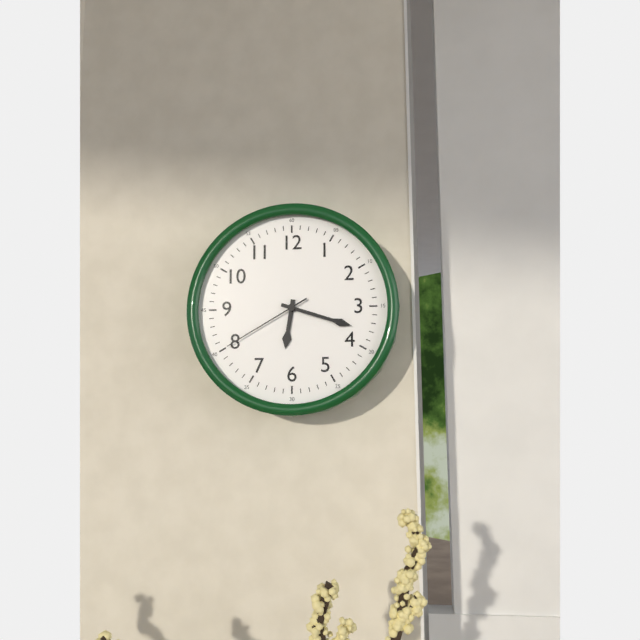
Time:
**6:18:40**
